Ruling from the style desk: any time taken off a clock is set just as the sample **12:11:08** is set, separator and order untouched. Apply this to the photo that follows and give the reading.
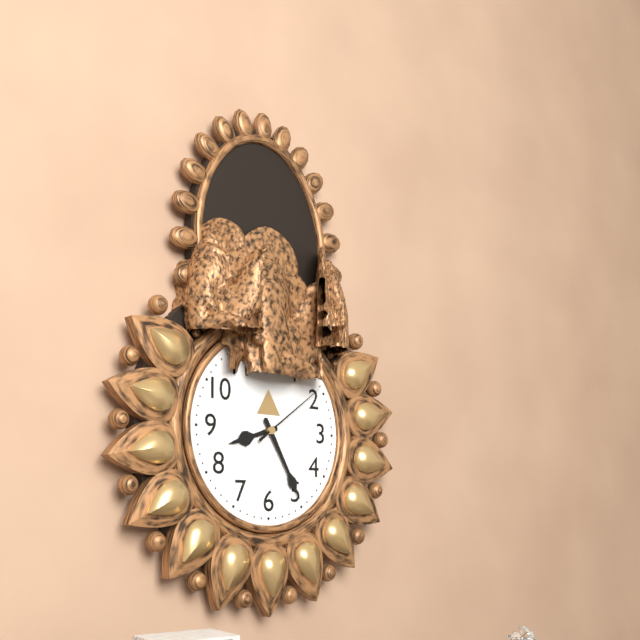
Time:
**8:25:09**
